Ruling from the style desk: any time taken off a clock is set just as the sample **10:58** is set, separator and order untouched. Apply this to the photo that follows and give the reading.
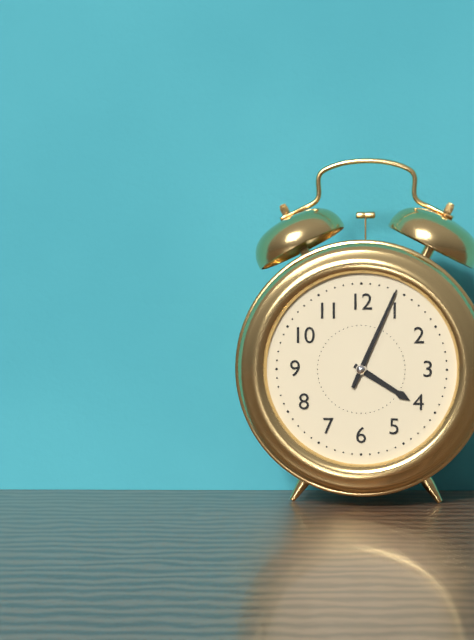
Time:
**4:04**
